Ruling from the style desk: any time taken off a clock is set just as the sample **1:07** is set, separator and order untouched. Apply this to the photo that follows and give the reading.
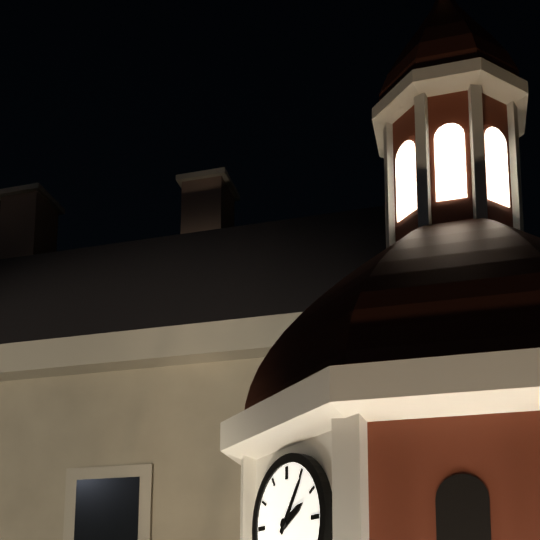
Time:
**2:06**
